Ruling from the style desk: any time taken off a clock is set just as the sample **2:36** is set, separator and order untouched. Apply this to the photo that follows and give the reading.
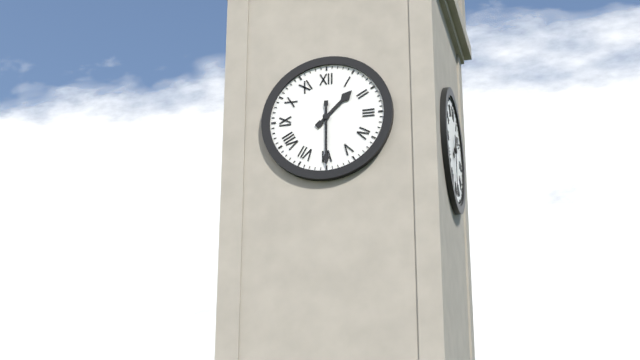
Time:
**1:30**
